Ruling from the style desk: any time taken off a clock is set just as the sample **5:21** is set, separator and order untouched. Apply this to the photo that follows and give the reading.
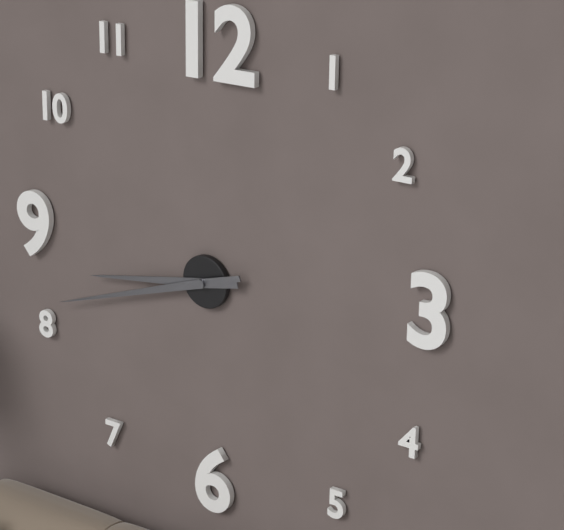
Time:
**8:42**
